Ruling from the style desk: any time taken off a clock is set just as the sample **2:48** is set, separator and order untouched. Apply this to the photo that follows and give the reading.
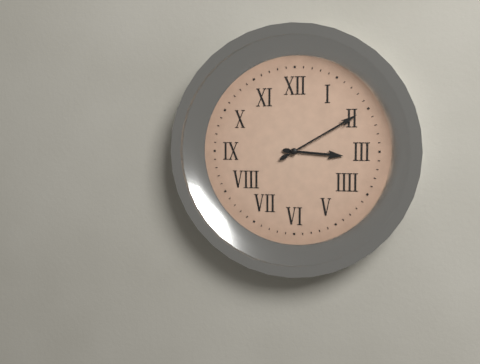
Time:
**3:10**
